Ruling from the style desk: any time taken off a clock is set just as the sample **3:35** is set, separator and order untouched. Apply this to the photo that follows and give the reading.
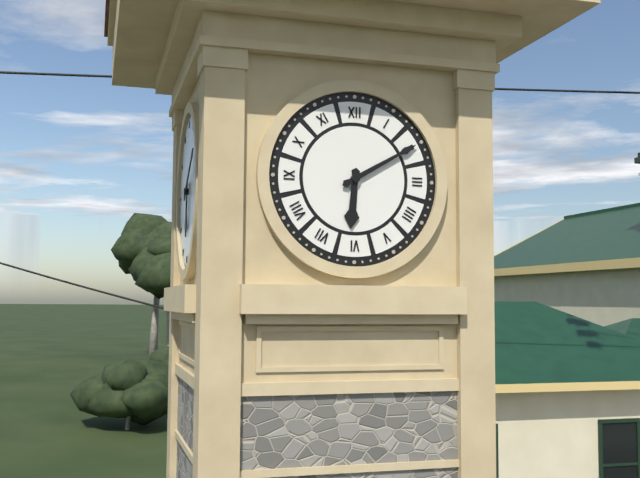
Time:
**6:10**
